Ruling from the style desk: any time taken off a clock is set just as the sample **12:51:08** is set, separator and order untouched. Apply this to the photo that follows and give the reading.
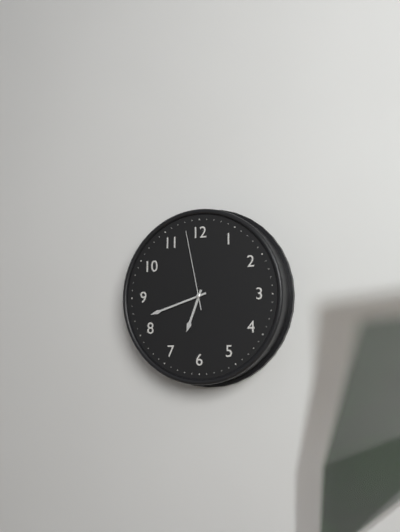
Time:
**6:42:58**
